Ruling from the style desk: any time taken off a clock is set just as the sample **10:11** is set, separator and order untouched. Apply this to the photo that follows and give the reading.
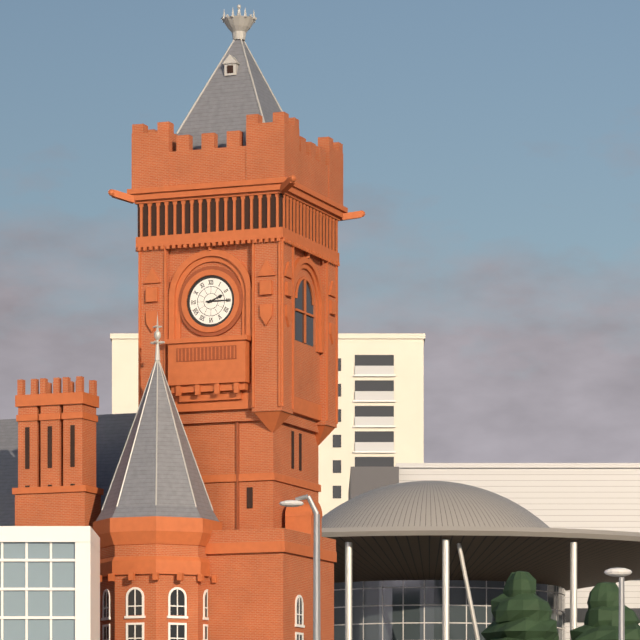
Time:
**2:15**
